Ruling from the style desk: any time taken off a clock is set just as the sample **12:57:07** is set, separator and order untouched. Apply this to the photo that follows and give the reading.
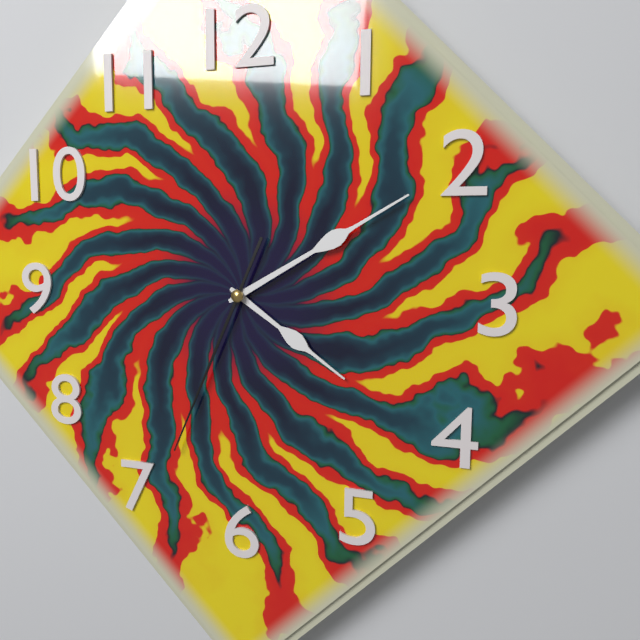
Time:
**4:10:34**
